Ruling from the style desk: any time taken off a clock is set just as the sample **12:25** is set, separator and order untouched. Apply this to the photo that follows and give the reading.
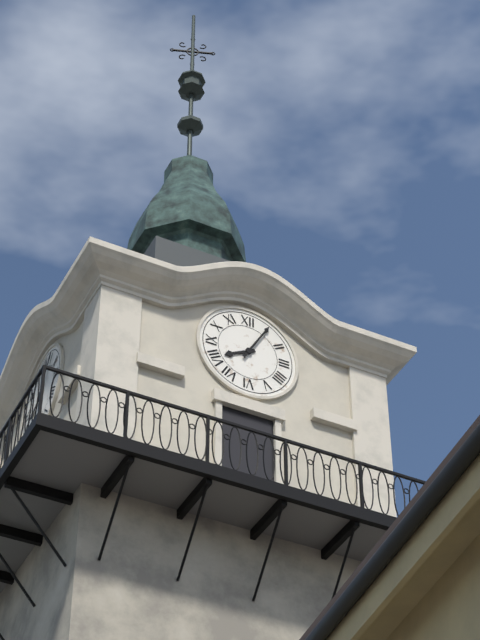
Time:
**8:05**
